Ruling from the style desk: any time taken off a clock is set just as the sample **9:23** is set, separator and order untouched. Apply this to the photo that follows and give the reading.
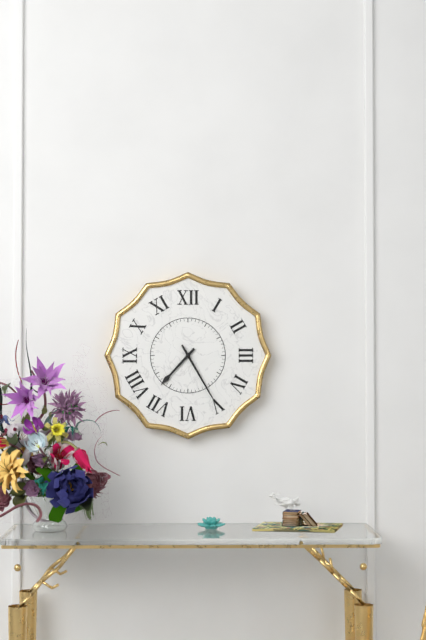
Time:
**7:25**
